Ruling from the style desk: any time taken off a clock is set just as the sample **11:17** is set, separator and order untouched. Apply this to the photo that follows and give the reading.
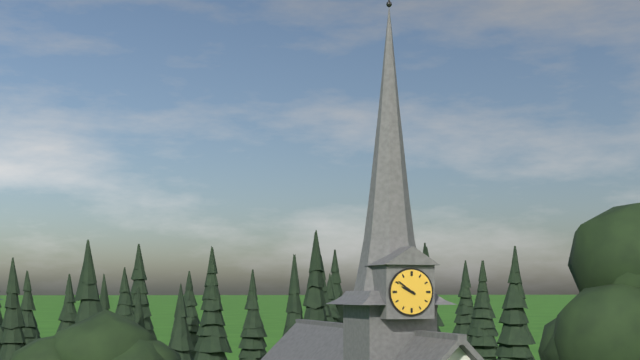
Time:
**9:51**
